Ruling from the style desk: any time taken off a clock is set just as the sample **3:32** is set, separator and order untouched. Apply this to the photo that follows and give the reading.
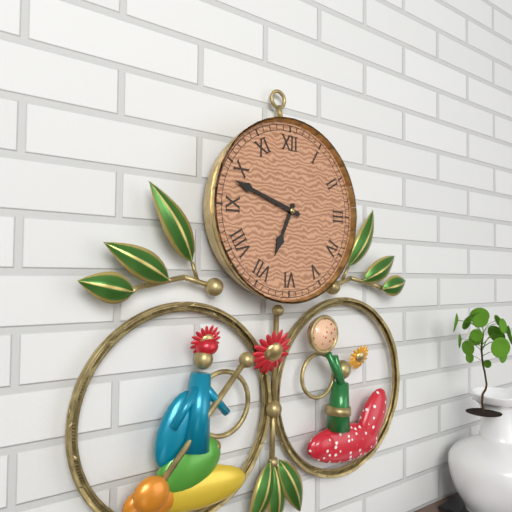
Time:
**6:48**
